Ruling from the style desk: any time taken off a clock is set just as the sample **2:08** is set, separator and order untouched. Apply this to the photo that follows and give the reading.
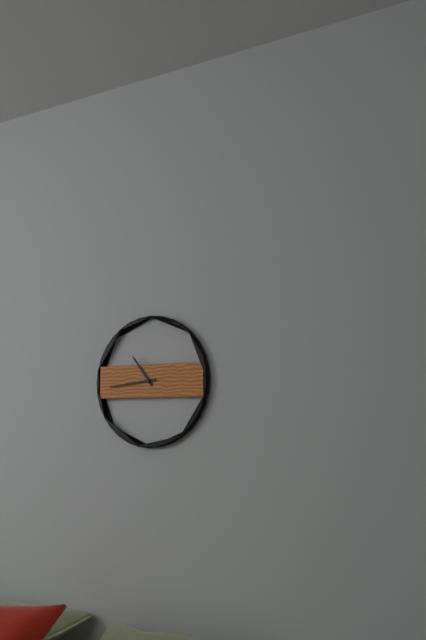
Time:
**10:44**
